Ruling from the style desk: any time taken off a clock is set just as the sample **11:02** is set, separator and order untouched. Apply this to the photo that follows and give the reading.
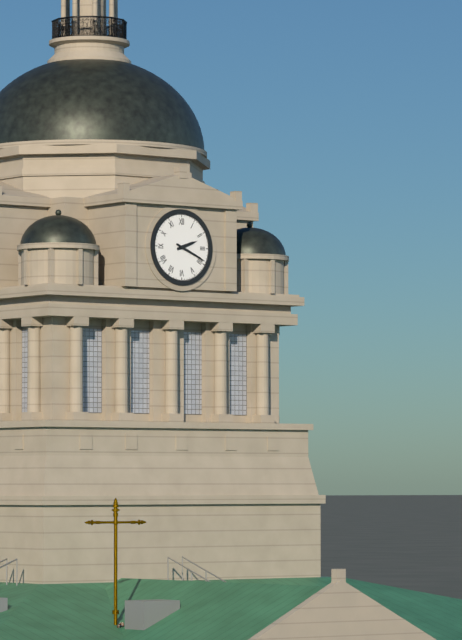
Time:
**2:19**
